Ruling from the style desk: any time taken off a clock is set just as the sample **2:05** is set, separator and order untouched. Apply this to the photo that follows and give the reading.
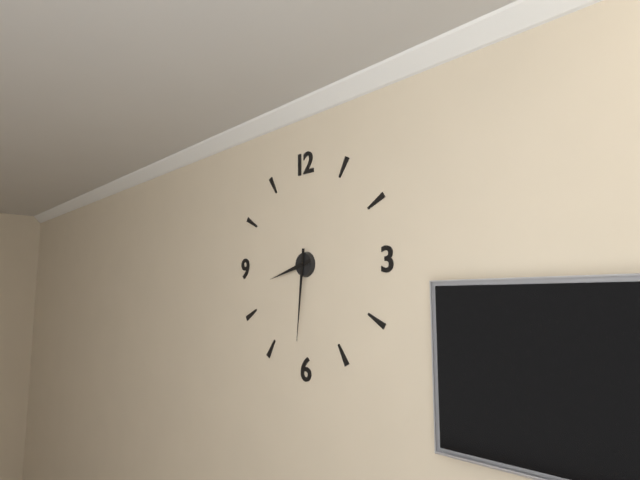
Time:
**8:31**
